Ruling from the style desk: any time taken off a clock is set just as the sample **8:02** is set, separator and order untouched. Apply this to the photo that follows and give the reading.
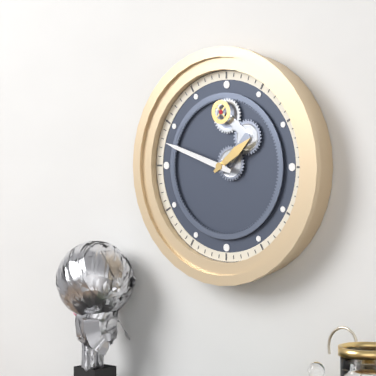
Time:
**1:48**
